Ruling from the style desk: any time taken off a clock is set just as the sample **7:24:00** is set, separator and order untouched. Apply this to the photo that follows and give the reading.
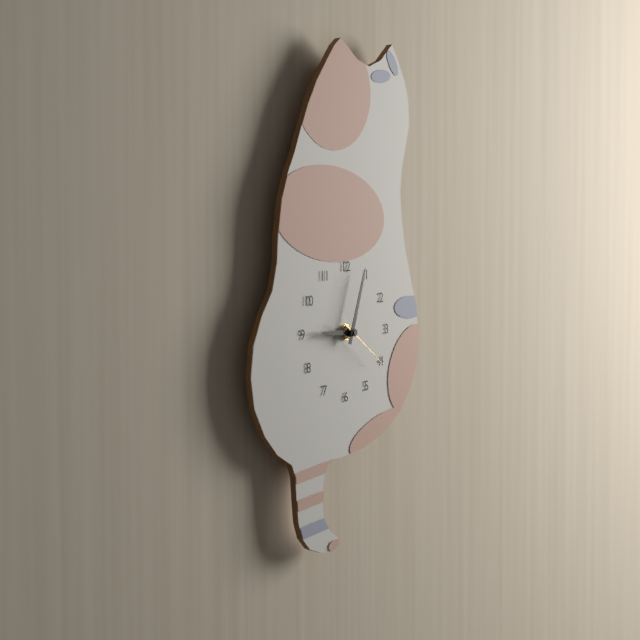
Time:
**9:03:21**
